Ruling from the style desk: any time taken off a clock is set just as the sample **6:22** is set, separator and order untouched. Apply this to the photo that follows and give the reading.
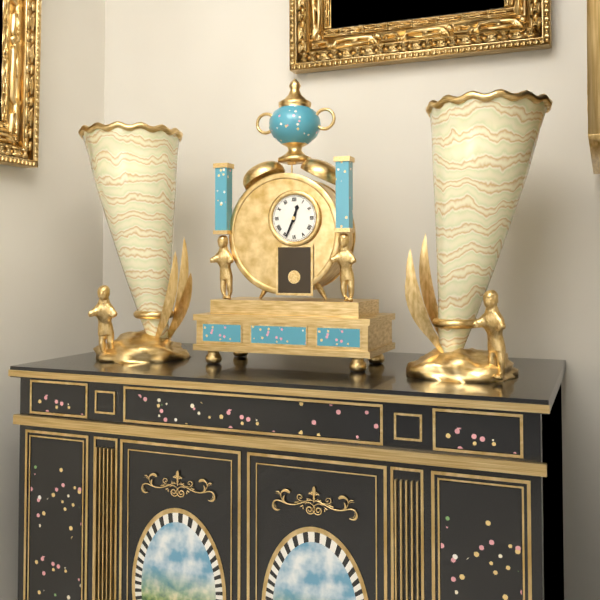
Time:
**12:34**
